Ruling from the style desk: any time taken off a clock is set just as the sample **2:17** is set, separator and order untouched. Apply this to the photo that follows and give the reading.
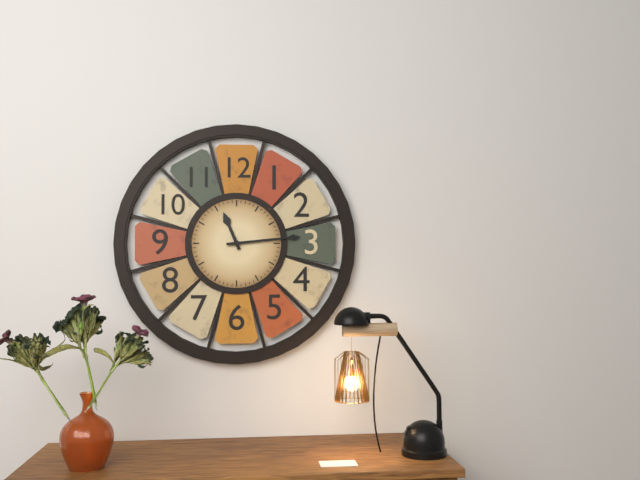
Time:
**11:14**
